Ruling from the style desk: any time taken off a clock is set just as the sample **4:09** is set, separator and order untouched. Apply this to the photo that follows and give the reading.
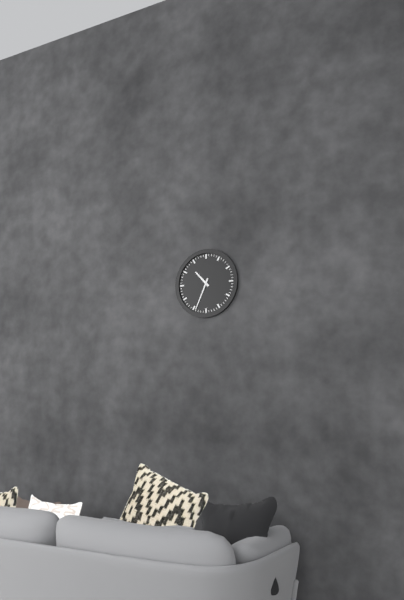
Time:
**10:34**
